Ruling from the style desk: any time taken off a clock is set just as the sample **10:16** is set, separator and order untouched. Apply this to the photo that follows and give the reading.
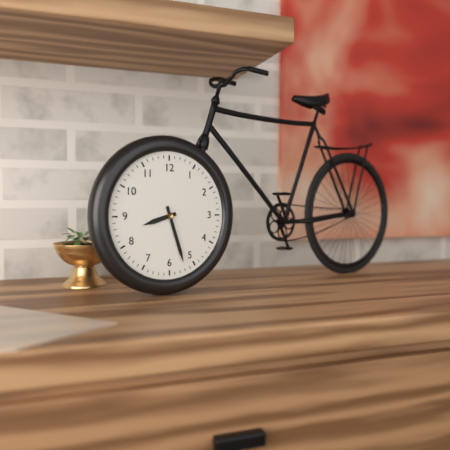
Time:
**8:27**
